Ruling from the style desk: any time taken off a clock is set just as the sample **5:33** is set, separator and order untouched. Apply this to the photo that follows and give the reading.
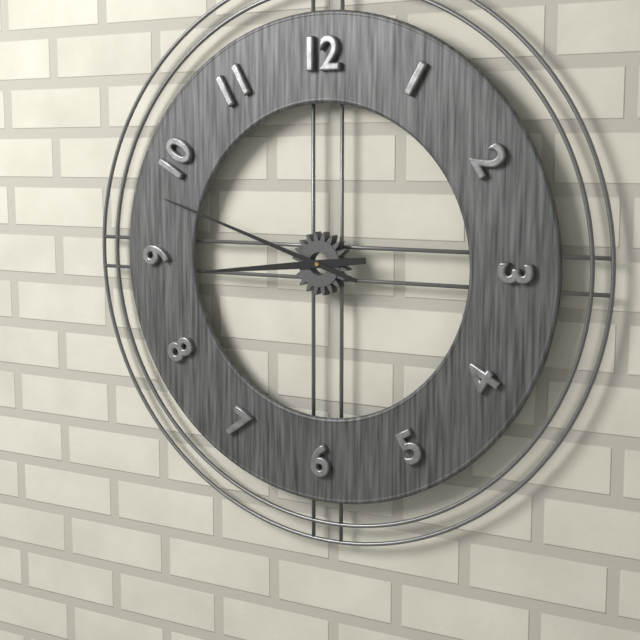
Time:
**8:48**
